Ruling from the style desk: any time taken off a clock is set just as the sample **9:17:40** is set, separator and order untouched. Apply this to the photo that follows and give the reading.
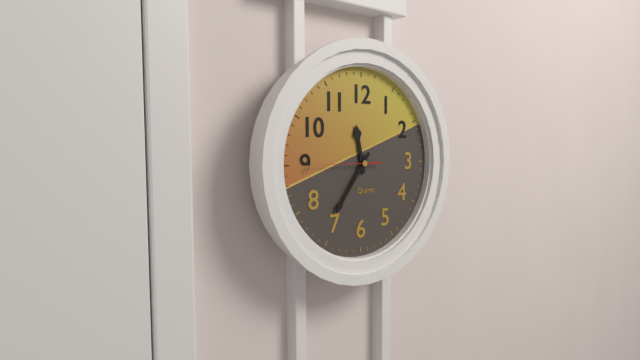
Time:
**11:36:45**
